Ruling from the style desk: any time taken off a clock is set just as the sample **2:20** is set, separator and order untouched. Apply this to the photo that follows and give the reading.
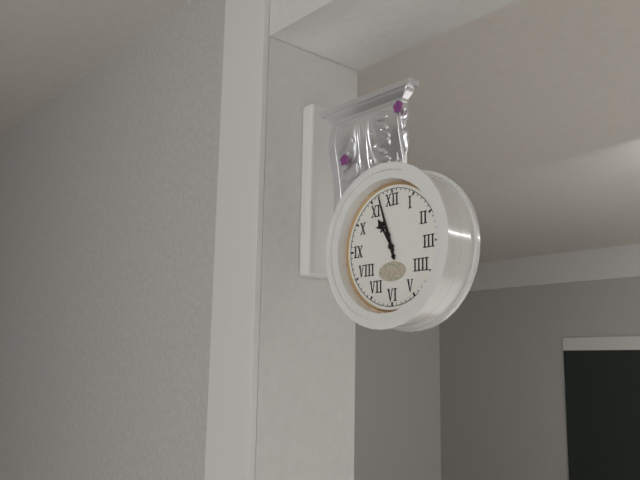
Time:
**10:57**
